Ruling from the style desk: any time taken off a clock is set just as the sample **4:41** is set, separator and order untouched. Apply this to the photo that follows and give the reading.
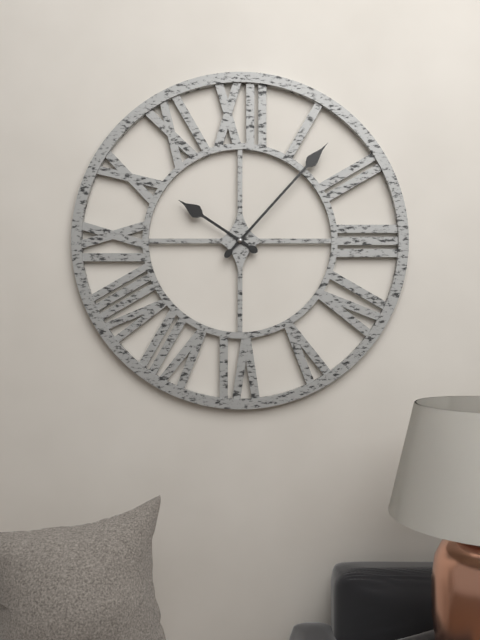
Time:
**10:07**
